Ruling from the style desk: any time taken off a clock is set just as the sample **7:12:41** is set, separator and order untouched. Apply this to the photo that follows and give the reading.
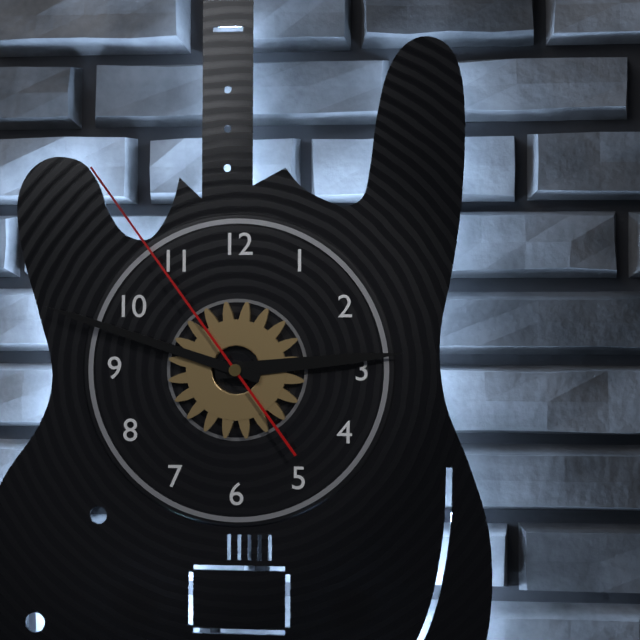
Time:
**2:48:54**
